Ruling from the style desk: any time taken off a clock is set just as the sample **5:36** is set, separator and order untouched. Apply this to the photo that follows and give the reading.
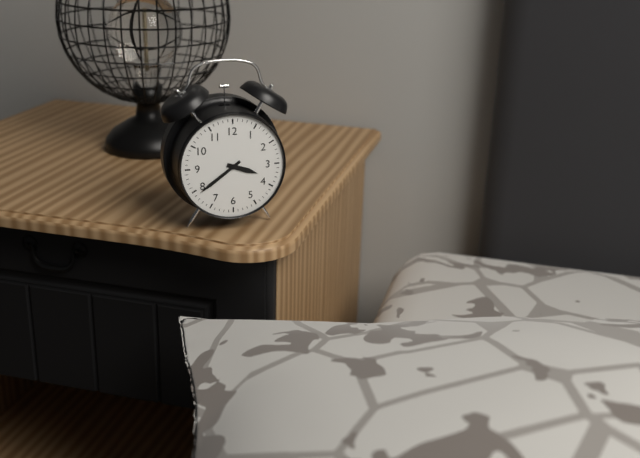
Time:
**3:39**
